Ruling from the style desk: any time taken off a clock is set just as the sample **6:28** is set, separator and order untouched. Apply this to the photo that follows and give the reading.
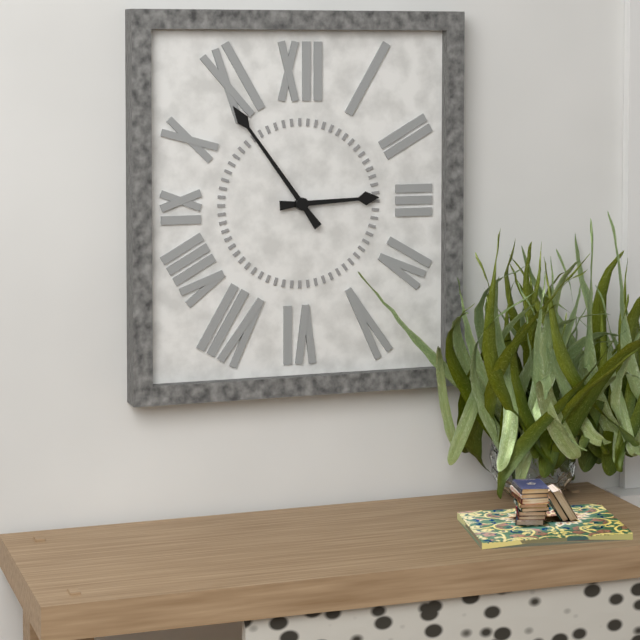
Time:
**2:54**
